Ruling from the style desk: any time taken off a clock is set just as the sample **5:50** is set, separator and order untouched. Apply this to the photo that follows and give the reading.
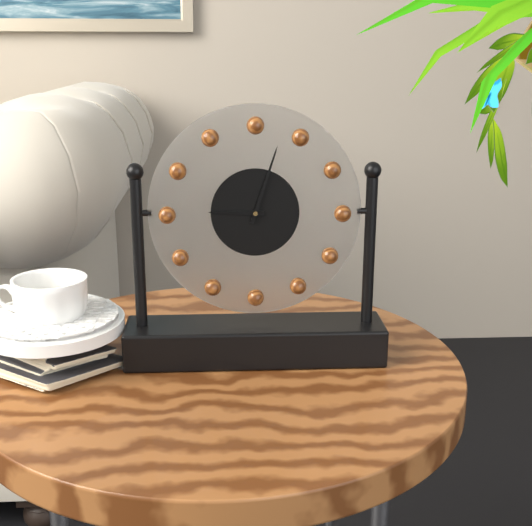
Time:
**9:03**
